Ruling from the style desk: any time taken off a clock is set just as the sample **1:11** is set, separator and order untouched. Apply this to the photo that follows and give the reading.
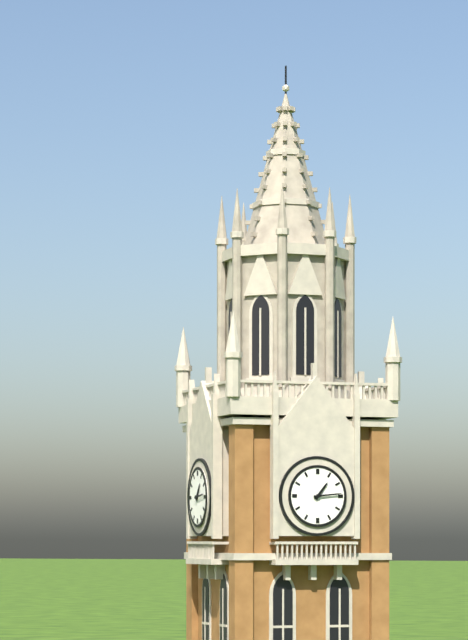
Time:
**1:14**
